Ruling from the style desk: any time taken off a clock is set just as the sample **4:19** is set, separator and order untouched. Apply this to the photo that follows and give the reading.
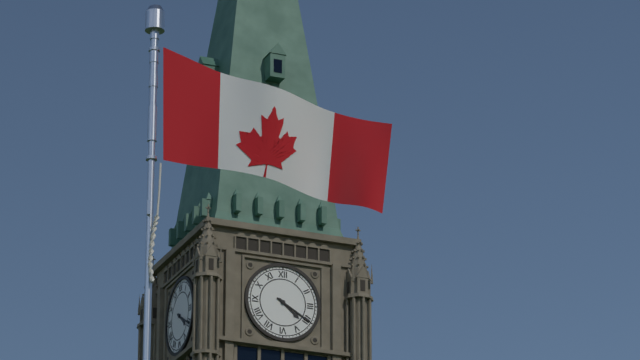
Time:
**4:20**
